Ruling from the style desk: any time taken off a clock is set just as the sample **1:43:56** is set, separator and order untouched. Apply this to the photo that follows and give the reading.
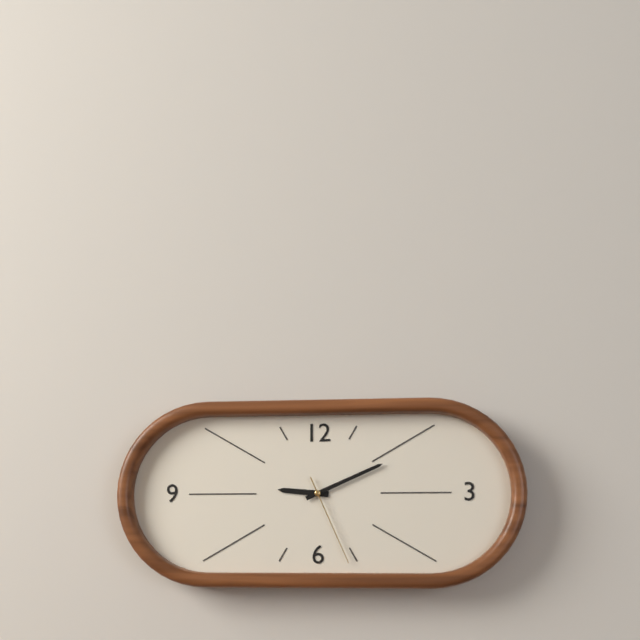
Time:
**9:11:26**
